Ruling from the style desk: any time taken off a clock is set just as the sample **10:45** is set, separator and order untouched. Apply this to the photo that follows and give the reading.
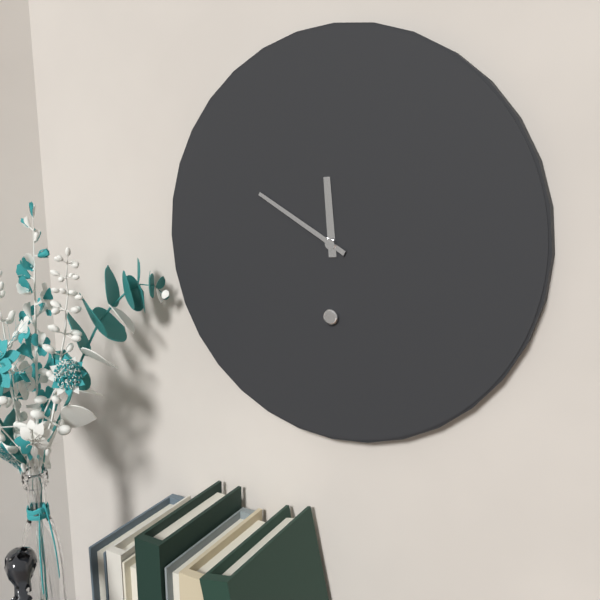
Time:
**11:50**
